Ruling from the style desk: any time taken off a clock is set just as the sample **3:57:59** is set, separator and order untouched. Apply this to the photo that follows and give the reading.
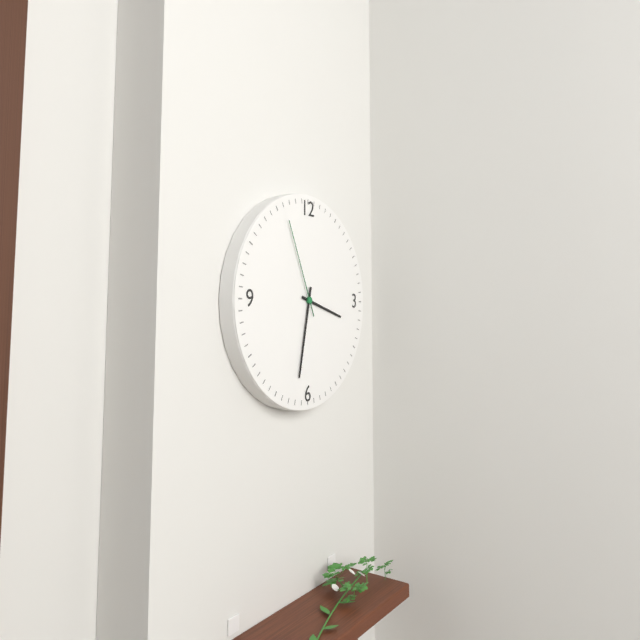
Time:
**3:32:56**
